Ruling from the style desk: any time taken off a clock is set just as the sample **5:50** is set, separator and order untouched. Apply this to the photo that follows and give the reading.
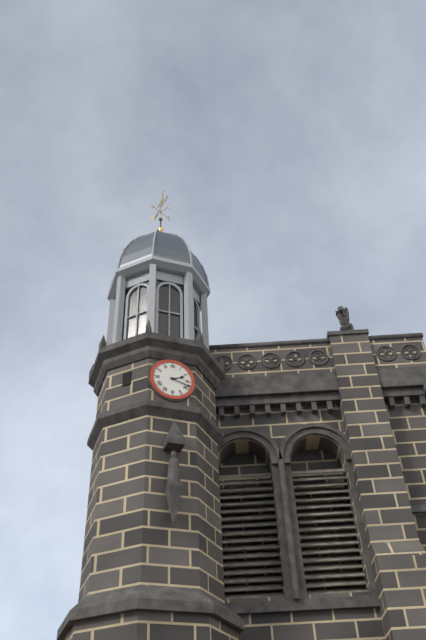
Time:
**2:18**
